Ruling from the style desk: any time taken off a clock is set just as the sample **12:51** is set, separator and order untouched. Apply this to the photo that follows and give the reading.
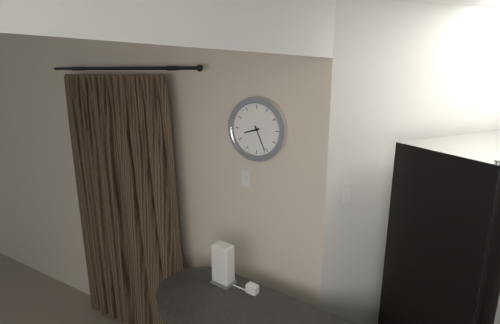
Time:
**8:26**
